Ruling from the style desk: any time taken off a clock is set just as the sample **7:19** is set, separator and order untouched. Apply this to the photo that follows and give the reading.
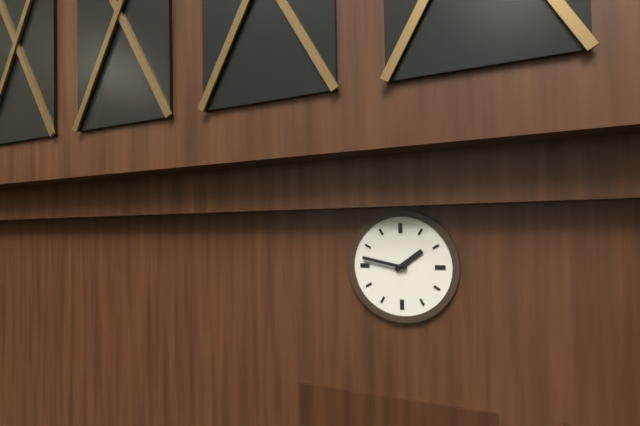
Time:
**1:47**
